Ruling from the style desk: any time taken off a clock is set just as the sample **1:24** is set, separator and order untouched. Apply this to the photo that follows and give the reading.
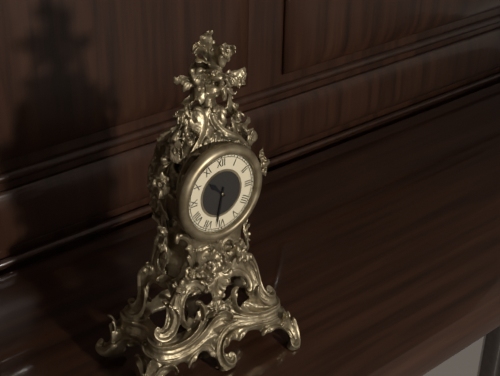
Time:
**10:32**
